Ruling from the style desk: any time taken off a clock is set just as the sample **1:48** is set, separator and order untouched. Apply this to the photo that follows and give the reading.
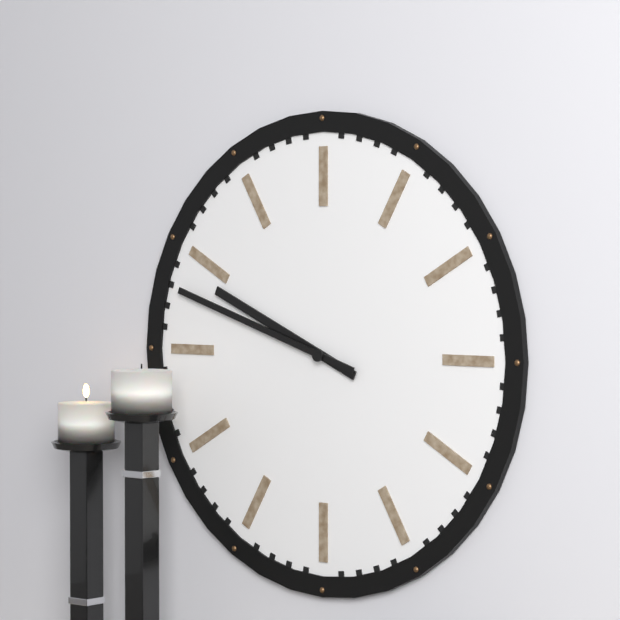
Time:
**9:48**
